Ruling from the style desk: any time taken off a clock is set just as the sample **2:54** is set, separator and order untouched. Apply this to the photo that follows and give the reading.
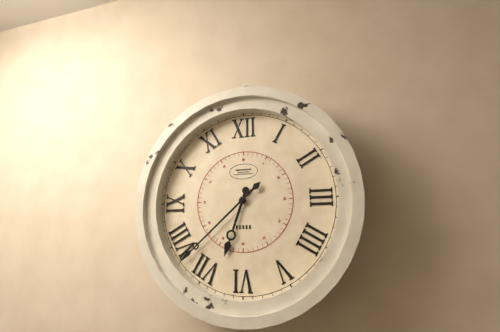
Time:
**6:38**
